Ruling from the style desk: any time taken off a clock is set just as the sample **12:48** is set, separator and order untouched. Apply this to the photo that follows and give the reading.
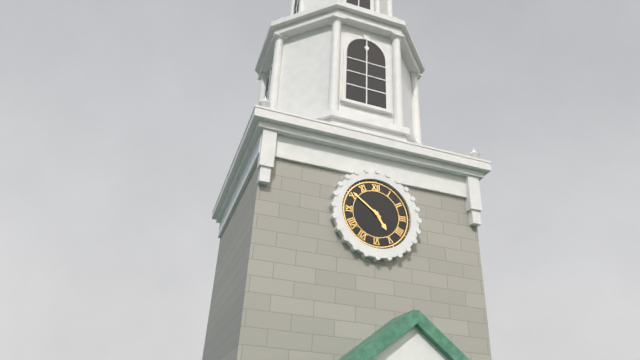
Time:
**4:51**
